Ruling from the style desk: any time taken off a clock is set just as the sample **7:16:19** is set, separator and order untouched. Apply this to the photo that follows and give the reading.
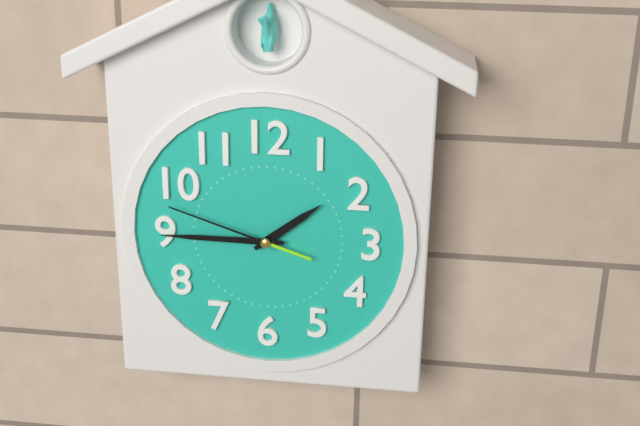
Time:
**1:45:48**
